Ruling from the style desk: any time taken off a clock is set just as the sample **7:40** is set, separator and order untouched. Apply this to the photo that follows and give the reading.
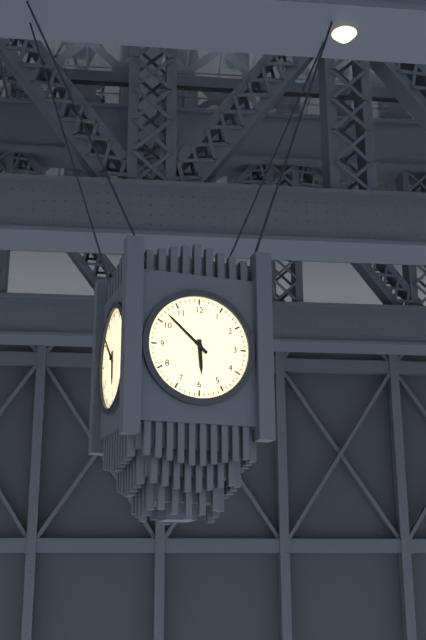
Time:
**5:52**
